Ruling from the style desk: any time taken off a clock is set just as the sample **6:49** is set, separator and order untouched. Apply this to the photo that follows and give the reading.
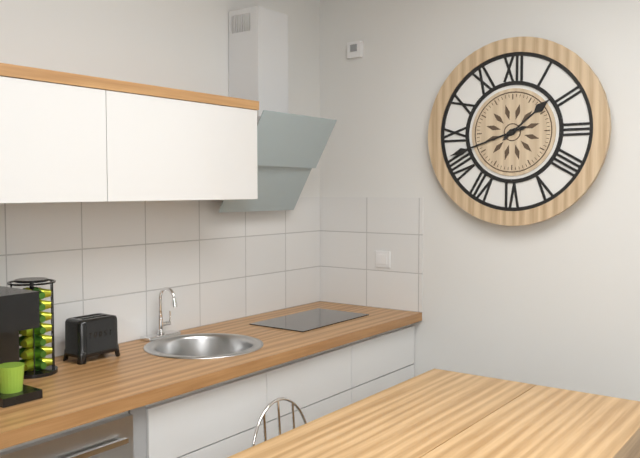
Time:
**1:42**
